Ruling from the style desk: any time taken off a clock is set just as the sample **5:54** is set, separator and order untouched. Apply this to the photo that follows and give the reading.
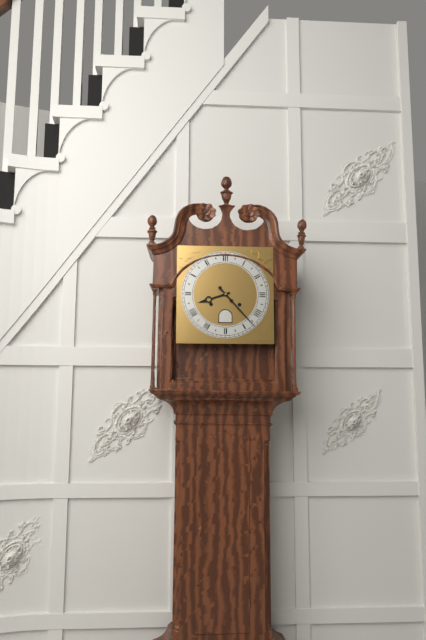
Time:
**8:23**
